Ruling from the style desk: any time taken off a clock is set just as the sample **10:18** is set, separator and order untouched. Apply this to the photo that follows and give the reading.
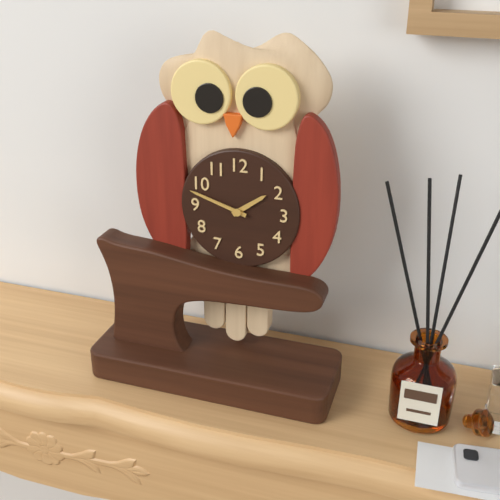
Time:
**1:48**
